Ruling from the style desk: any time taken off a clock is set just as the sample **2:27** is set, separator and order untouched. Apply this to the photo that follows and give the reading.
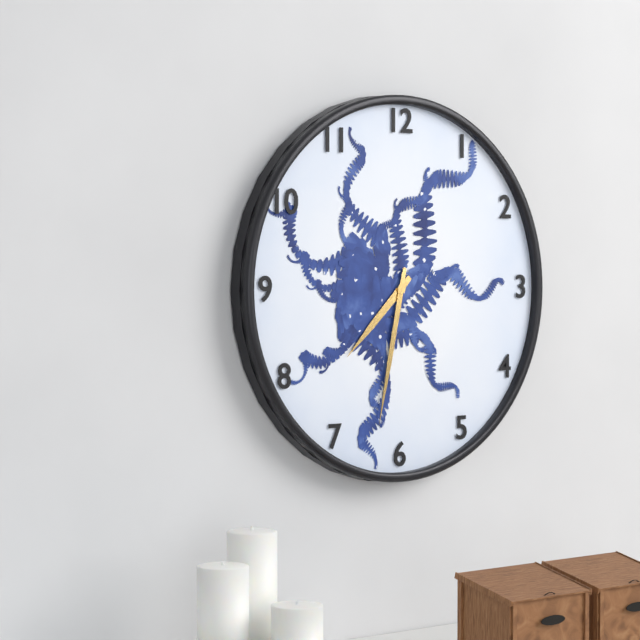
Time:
**7:32**
